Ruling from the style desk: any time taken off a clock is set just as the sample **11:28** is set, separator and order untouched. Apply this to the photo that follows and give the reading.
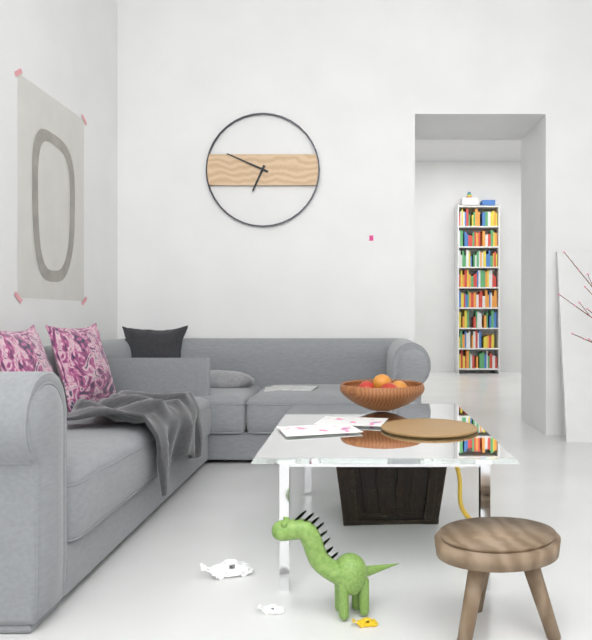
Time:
**6:49**
